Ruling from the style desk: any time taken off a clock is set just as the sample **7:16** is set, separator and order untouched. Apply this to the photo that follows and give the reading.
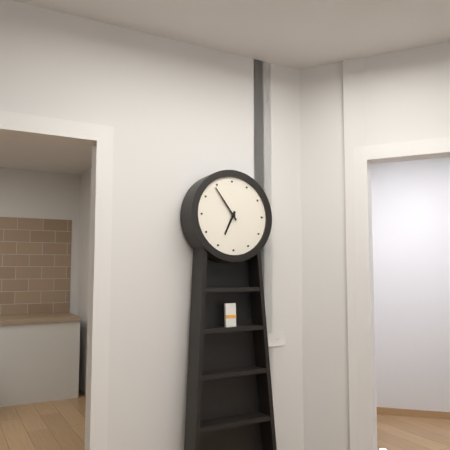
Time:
**6:54**
